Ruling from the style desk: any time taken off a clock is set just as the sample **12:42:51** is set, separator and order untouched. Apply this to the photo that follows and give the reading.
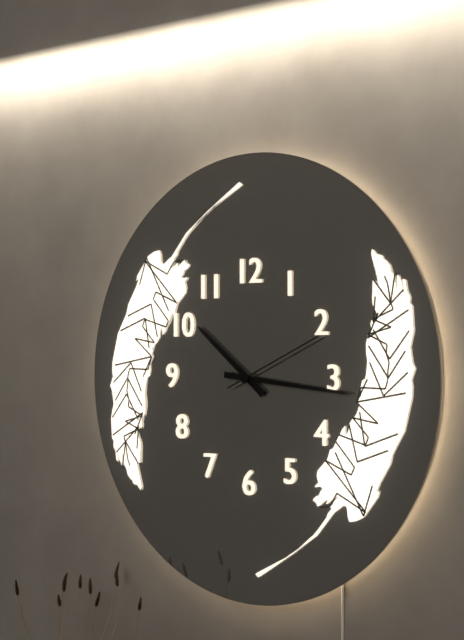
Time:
**10:16:11**
